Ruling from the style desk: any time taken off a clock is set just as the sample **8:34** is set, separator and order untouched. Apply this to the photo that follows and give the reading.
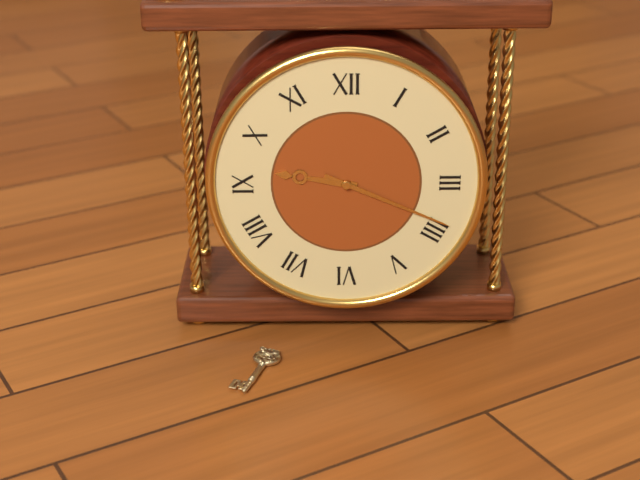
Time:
**9:19**
